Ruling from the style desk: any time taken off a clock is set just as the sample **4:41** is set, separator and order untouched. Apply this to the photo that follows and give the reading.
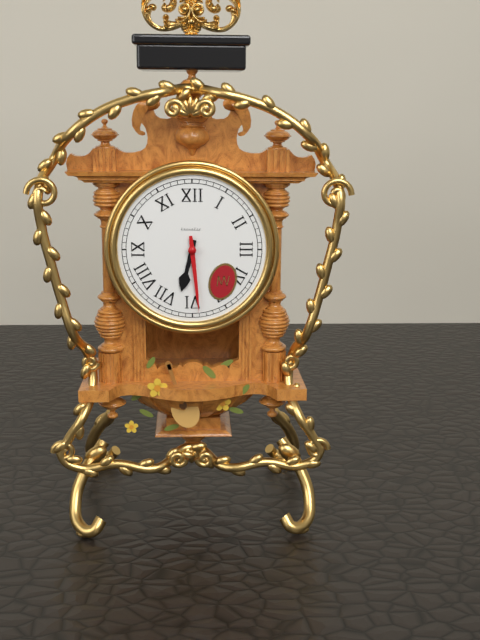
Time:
**6:29**
